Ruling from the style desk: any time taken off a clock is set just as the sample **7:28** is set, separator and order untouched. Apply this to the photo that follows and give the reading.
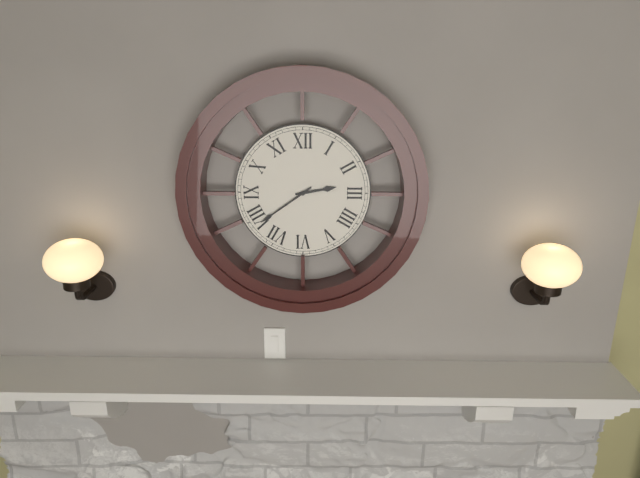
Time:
**2:39**
